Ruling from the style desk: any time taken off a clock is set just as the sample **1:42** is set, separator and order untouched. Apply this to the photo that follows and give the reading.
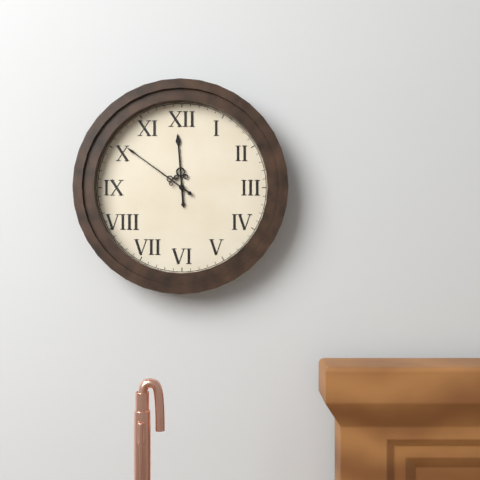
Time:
**11:51**
